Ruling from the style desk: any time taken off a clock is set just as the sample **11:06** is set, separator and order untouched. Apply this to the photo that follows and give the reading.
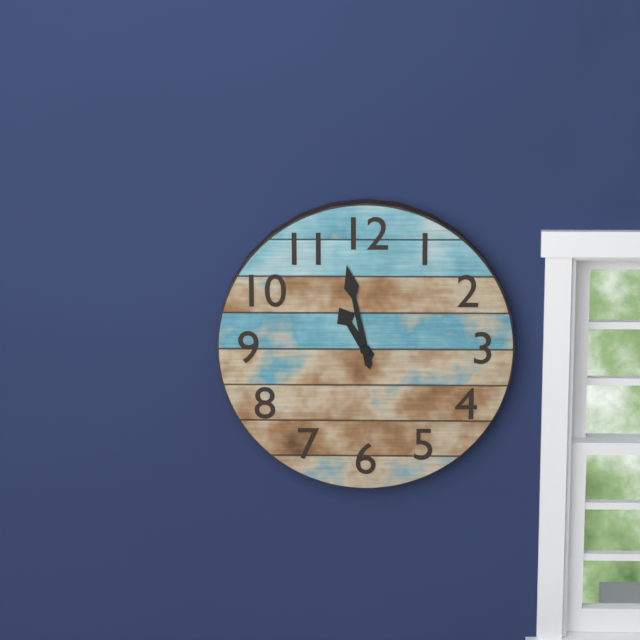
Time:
**10:58**
